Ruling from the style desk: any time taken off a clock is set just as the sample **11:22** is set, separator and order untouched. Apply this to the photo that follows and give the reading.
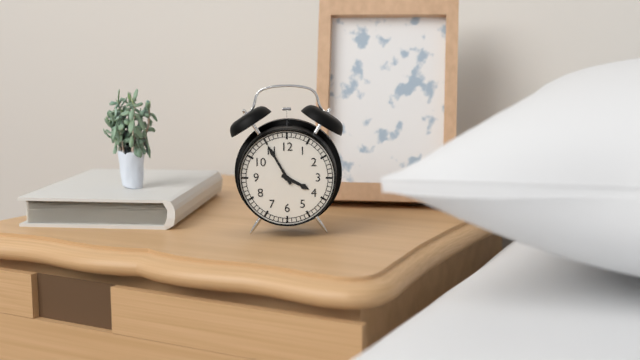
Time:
**3:55**
